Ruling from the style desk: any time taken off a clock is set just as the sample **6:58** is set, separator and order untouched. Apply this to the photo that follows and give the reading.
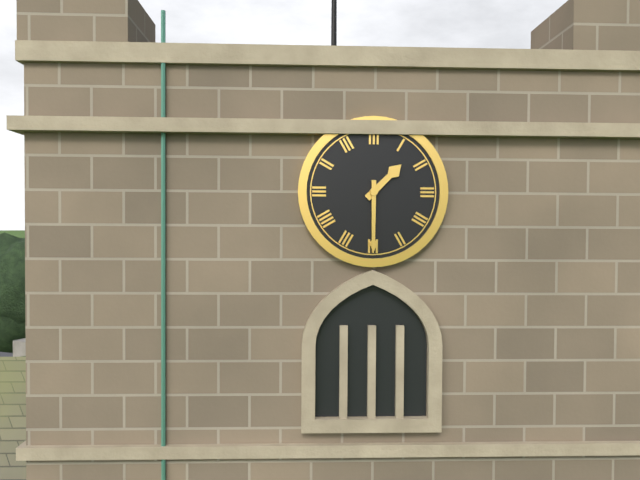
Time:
**1:30**
